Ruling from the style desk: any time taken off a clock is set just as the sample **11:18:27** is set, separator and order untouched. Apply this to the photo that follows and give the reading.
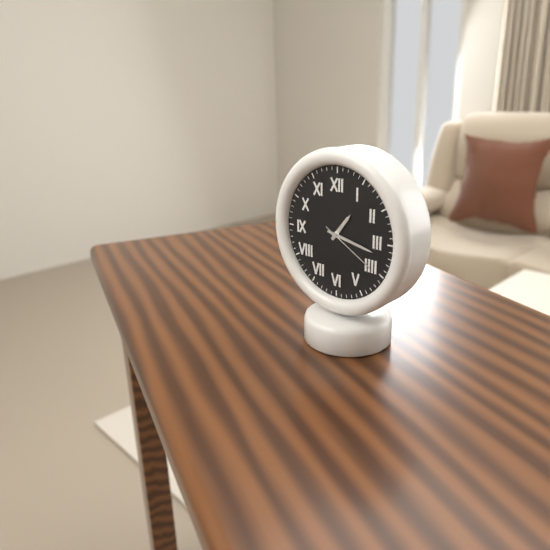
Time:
**1:17:20**
